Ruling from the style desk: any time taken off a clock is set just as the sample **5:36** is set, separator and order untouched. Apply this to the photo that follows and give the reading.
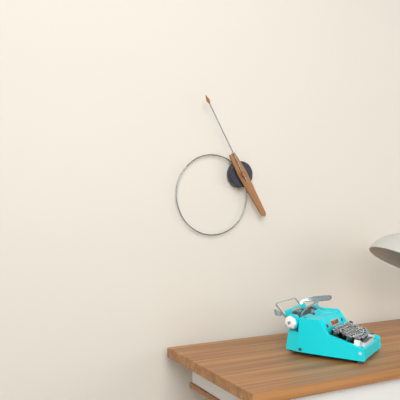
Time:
**4:55**
